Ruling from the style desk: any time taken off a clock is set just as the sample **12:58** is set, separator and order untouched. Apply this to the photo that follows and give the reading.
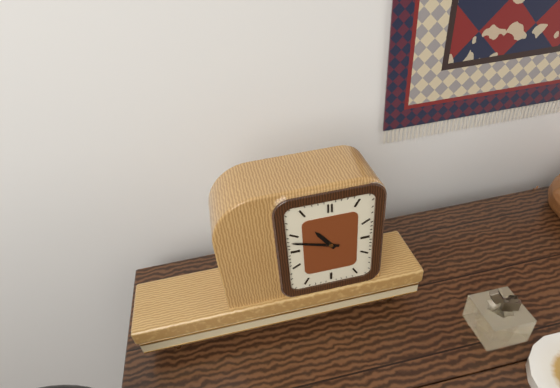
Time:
**10:48**
